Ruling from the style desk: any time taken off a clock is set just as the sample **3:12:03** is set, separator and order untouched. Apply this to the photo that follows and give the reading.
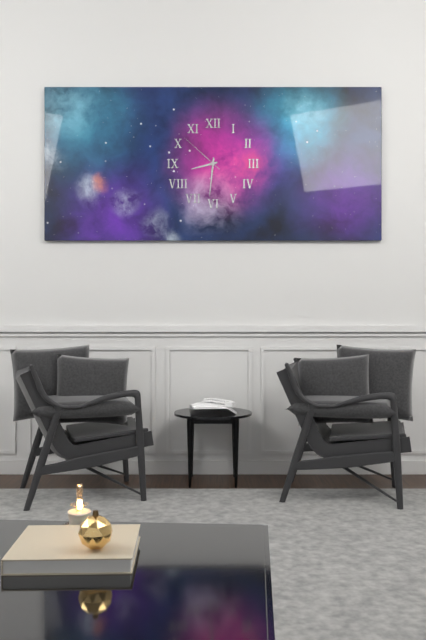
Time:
**8:31:52**
